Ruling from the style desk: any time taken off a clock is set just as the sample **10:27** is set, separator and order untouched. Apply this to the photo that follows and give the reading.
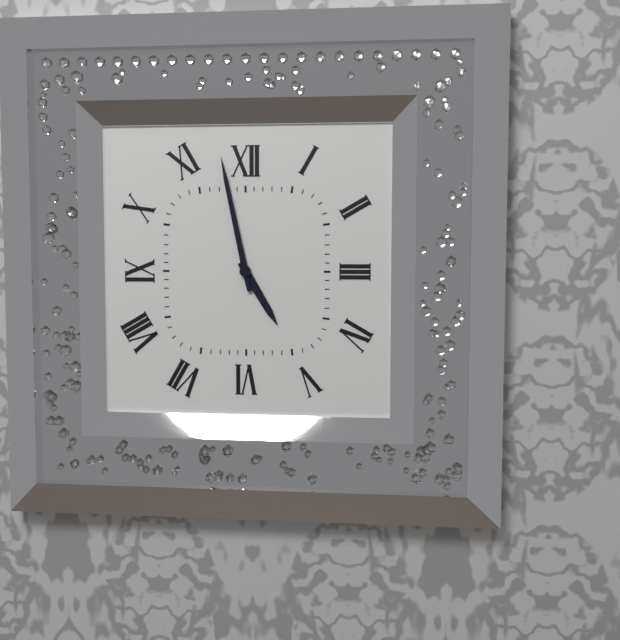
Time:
**4:58**
